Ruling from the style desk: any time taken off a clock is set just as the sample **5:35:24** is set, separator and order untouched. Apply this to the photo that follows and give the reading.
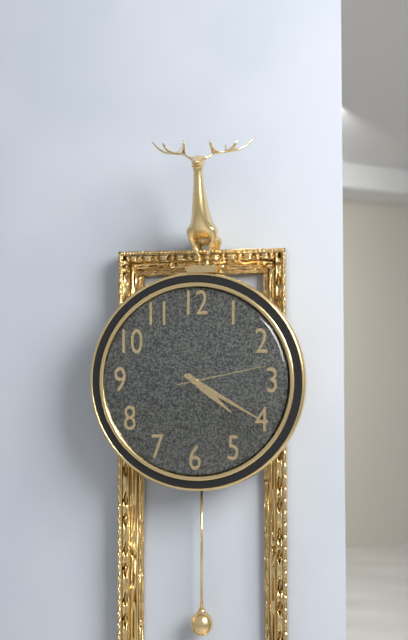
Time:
**4:20:13**
